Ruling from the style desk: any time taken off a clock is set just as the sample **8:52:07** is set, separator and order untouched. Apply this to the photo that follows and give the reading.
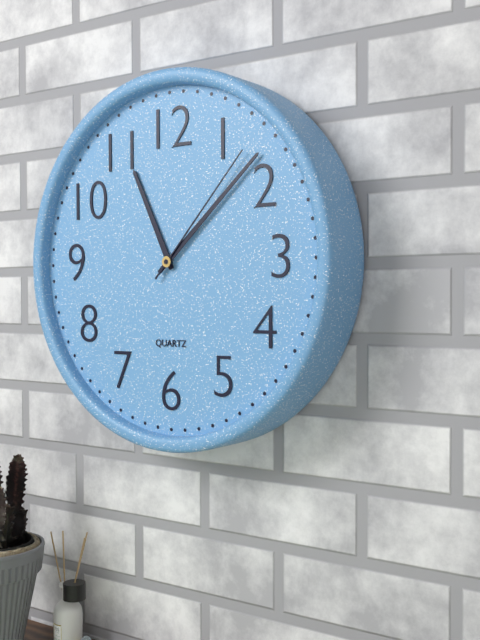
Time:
**11:08:07**
